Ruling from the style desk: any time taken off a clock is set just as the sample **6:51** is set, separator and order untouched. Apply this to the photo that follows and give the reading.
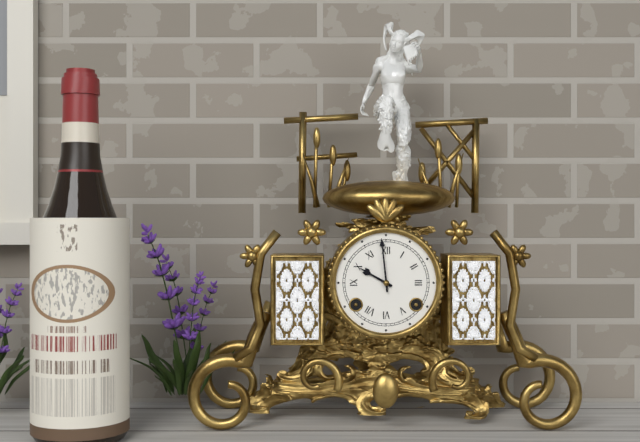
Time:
**9:59**
